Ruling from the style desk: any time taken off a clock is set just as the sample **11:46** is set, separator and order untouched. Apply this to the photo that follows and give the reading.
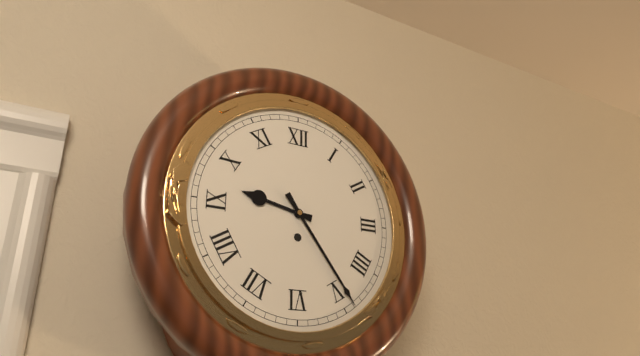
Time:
**9:24**
